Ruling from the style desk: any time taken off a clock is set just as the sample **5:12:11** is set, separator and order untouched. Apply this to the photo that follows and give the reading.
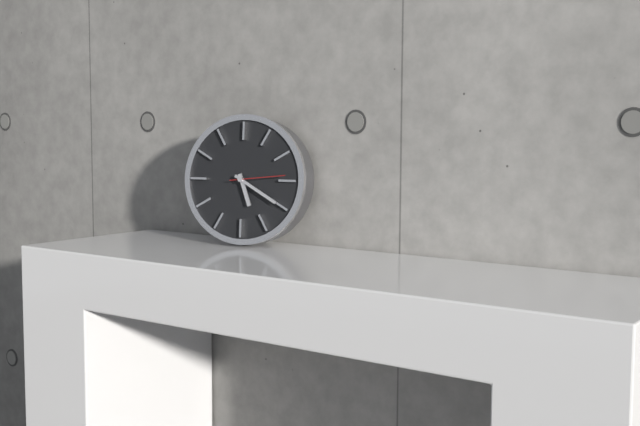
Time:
**5:20:14**
